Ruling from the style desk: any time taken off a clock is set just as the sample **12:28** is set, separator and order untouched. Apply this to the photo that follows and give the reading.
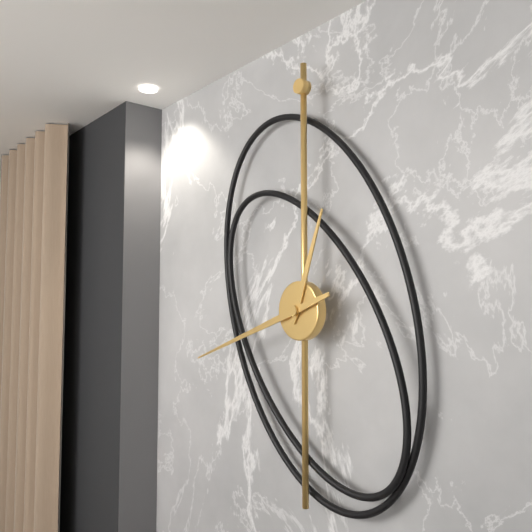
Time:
**12:42**
